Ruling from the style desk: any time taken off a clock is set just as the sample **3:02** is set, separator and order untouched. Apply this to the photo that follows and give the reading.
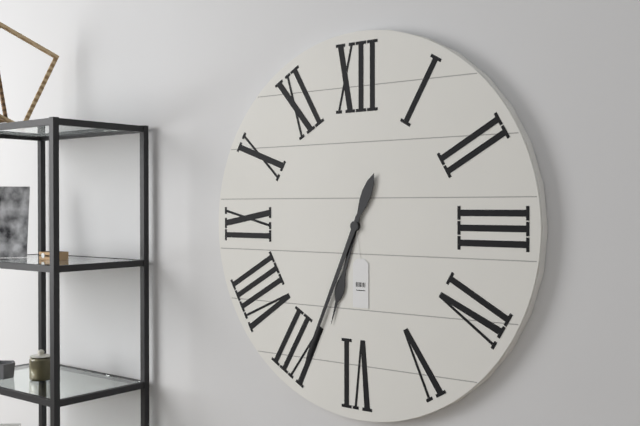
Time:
**6:34**
